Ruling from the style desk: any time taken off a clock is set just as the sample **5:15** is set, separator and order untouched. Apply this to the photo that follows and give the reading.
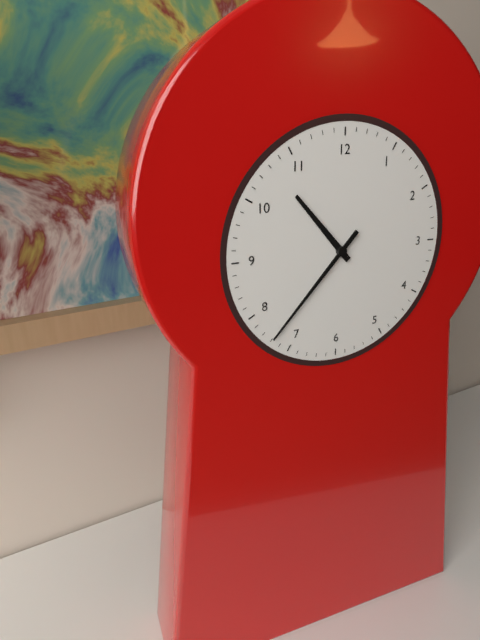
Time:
**10:37**
